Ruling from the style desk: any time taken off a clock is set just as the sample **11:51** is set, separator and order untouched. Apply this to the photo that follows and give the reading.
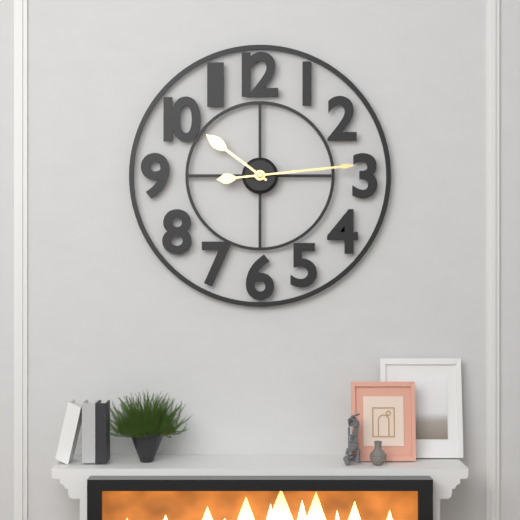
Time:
**10:14**
